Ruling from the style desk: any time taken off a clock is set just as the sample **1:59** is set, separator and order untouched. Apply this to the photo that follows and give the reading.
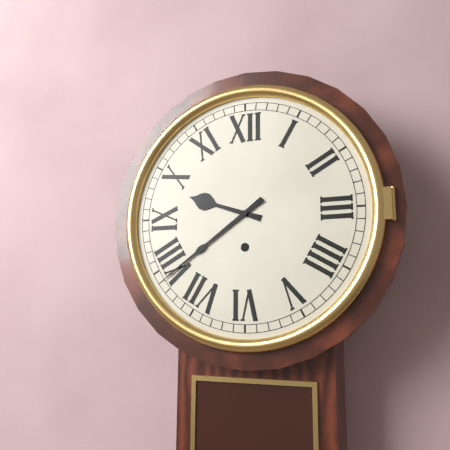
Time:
**9:39**
